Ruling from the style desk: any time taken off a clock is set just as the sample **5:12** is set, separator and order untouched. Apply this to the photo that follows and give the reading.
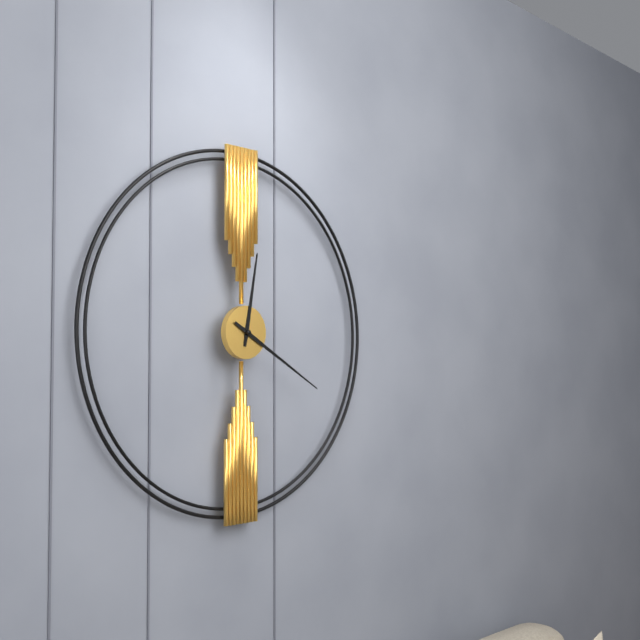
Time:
**12:20**
